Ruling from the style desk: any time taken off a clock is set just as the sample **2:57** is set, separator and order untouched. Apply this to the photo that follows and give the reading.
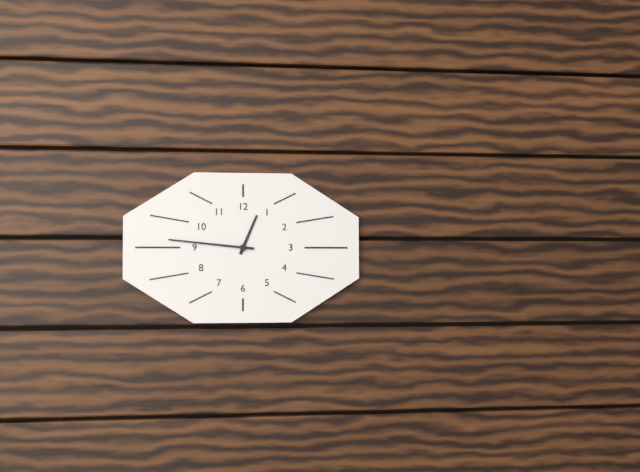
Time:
**12:46**
